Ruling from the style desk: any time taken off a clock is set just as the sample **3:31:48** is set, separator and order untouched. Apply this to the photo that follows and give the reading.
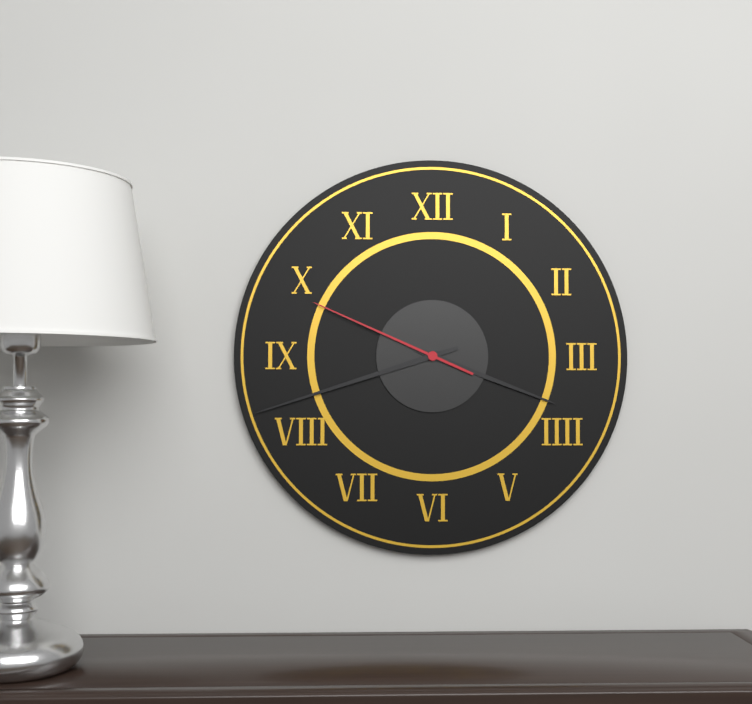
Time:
**3:42:49**
